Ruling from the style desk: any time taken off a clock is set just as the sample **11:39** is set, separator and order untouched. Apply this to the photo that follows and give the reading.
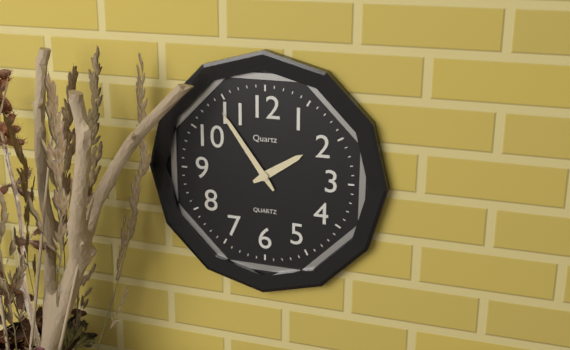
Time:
**1:54**
